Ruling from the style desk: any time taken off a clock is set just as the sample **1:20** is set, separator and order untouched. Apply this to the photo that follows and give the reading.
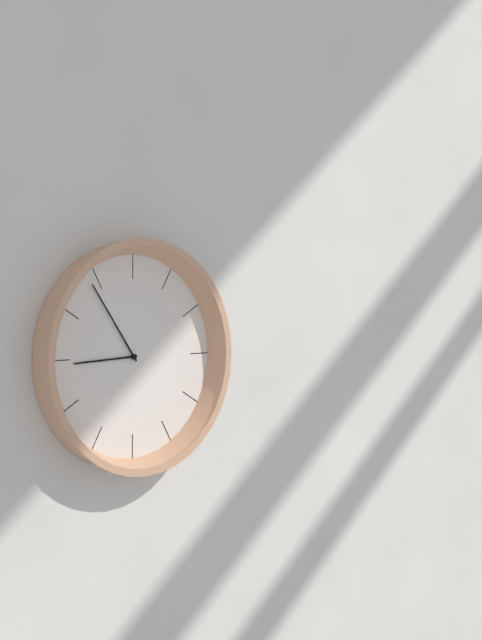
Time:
**8:54**
